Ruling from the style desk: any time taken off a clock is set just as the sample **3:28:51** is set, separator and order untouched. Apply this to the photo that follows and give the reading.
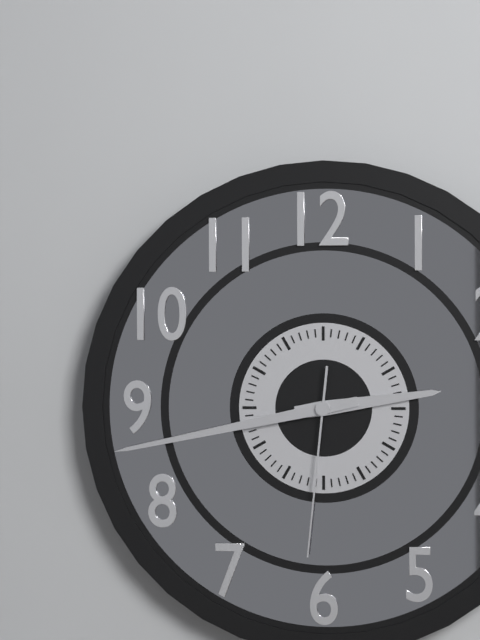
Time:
**2:43:31**
